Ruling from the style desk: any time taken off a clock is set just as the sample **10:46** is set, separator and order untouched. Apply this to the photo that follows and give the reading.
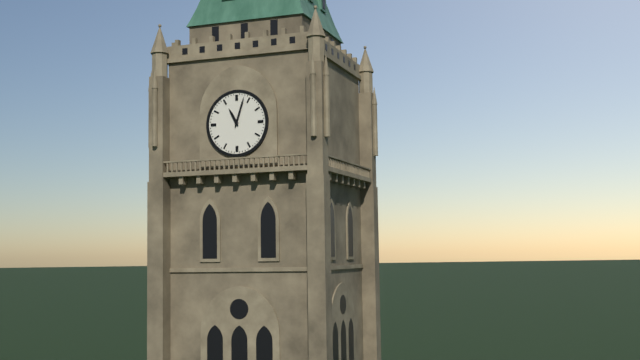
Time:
**11:03**
